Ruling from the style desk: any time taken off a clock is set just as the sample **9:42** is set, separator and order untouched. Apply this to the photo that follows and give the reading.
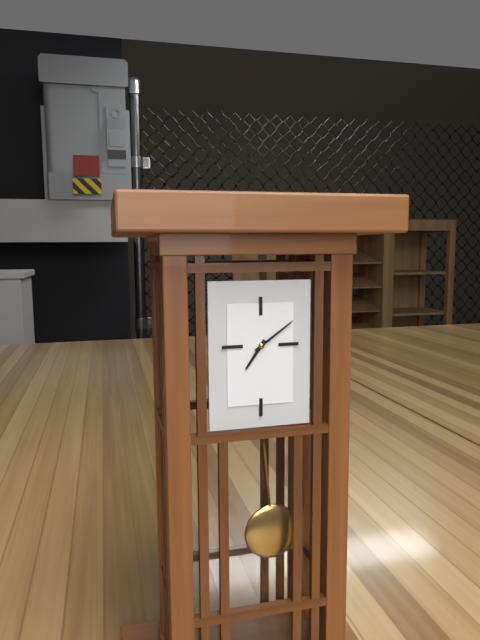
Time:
**7:09**
